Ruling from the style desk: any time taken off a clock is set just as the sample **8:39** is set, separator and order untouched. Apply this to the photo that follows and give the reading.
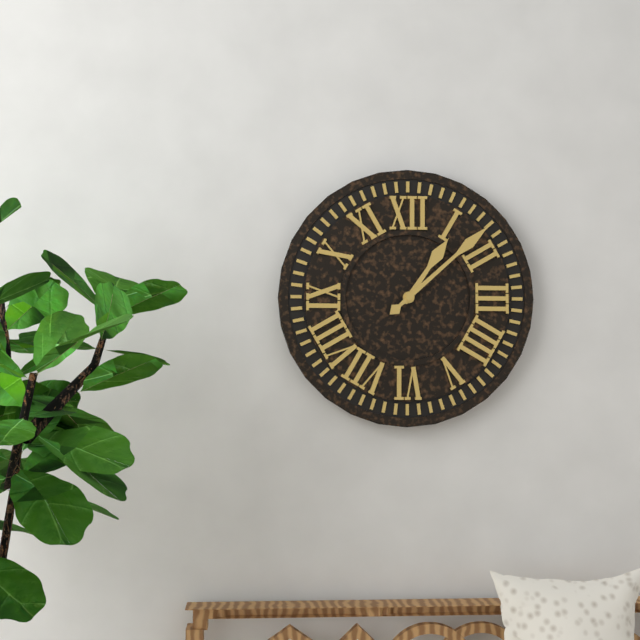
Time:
**1:08**
